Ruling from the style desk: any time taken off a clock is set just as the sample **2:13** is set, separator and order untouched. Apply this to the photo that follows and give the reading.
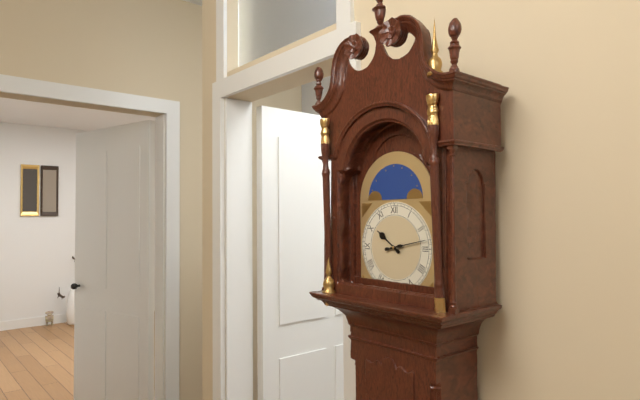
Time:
**10:13**
